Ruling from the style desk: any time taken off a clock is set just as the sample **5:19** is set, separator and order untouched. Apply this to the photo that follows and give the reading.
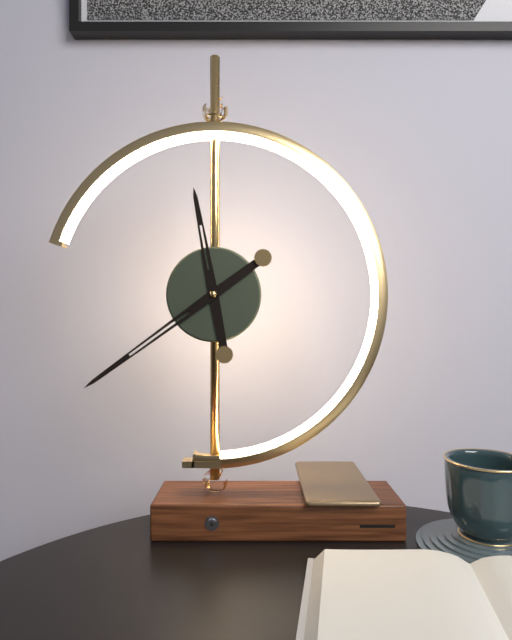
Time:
**11:39**
